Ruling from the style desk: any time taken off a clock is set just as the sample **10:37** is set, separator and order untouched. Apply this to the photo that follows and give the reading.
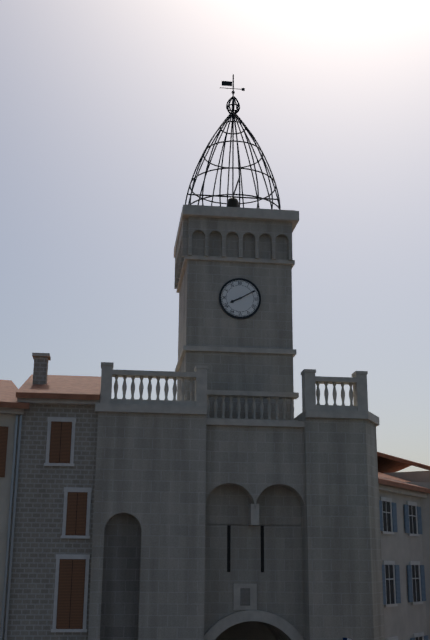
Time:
**8:10**
